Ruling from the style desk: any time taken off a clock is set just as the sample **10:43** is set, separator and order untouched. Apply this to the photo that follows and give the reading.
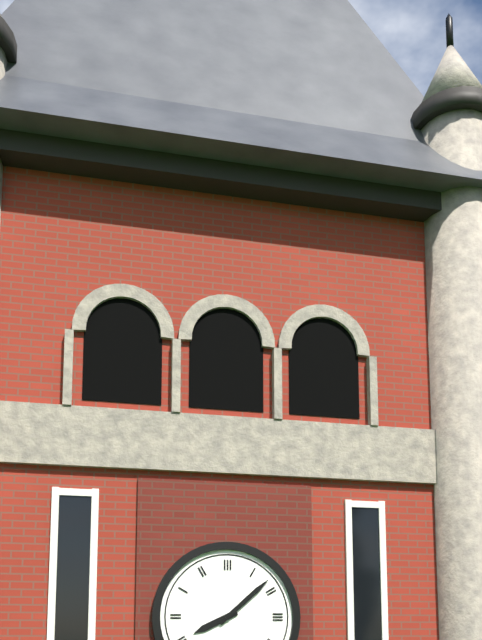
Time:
**8:08**
